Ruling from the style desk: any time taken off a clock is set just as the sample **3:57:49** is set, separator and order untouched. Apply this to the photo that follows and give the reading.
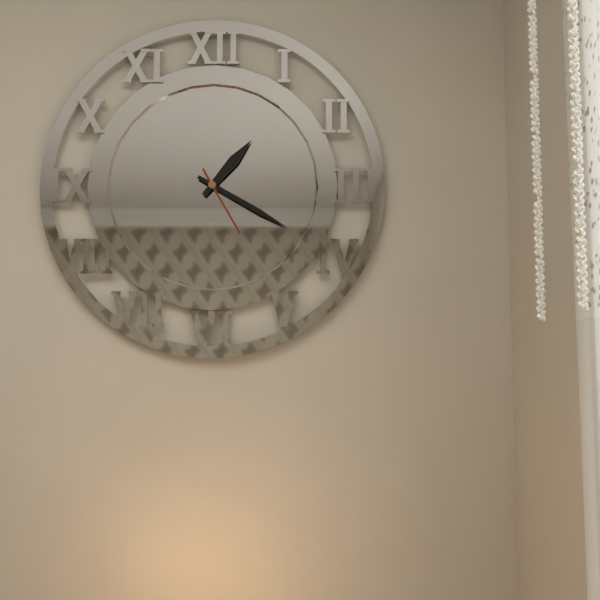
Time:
**1:20:25**
